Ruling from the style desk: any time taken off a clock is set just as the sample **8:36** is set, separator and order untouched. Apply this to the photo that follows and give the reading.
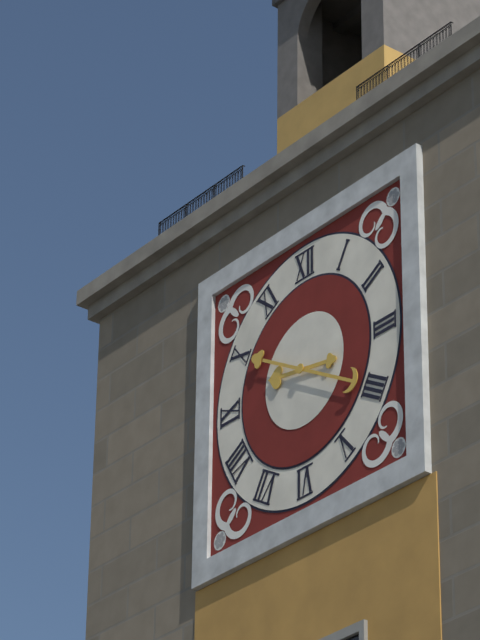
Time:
**9:20**
